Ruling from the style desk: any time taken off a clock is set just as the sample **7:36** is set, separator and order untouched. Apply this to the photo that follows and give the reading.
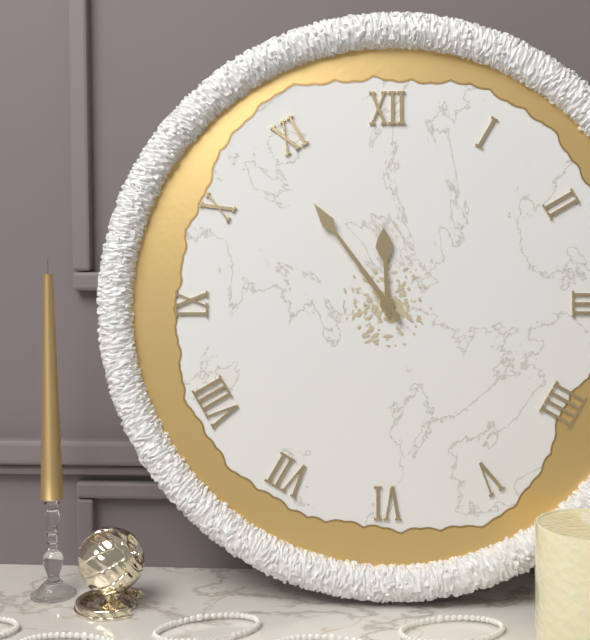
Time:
**11:54**
